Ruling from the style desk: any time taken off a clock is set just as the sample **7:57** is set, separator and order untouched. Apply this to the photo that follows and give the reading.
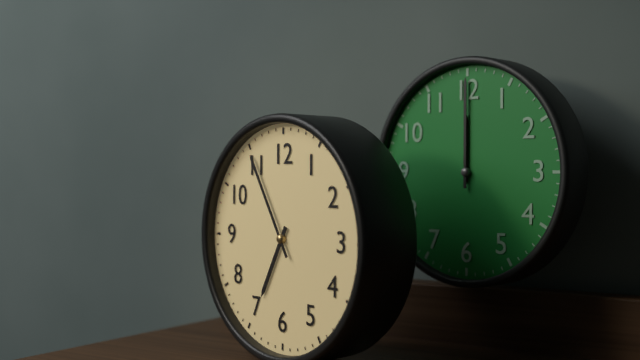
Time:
**6:55**
